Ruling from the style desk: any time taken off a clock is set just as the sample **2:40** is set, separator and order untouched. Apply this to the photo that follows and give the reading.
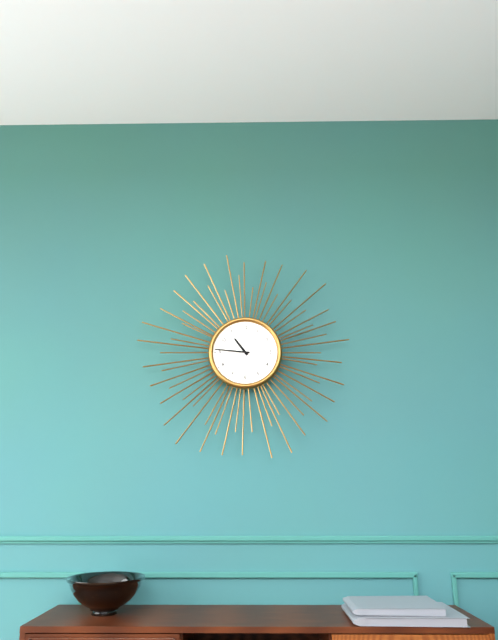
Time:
**10:46**
